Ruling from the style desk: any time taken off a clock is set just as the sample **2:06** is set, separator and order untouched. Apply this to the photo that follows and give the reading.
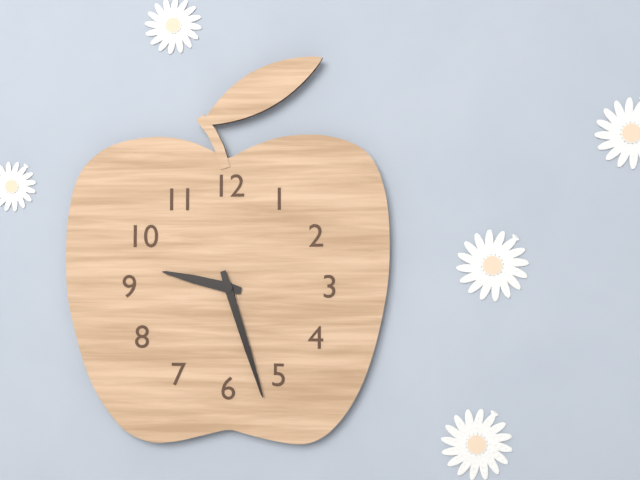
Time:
**9:27**
